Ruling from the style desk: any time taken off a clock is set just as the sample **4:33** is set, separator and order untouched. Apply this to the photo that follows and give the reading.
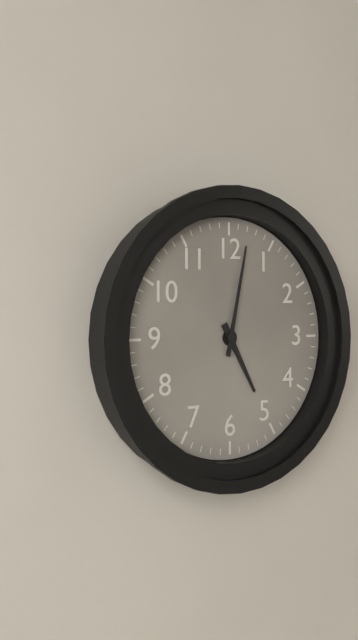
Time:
**5:02**
